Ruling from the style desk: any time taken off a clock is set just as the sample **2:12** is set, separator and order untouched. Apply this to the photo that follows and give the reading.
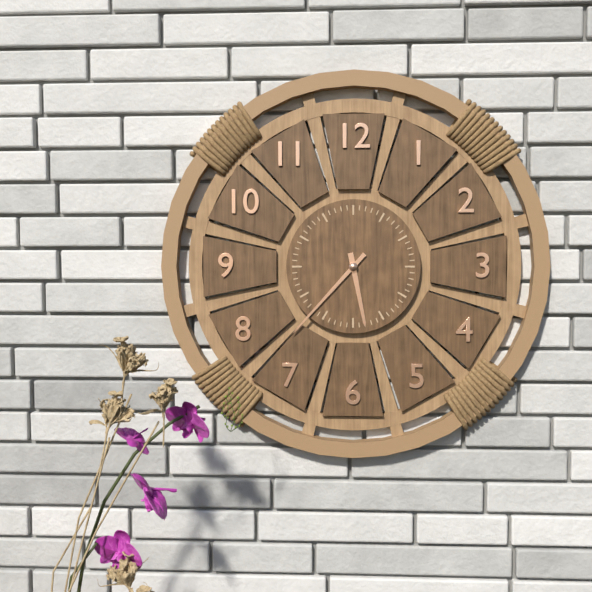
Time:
**5:37**
